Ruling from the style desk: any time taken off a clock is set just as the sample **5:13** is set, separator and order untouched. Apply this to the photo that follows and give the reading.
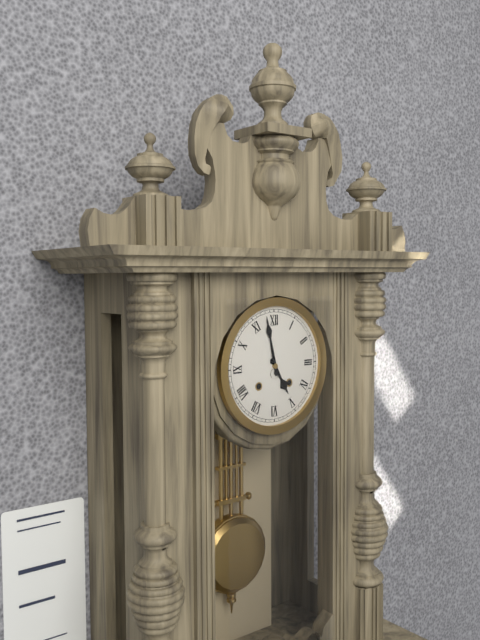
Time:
**4:58**
